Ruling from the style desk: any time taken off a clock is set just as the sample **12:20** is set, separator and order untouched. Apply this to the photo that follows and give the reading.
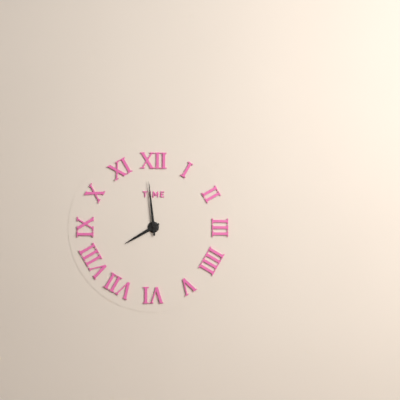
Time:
**7:59**
